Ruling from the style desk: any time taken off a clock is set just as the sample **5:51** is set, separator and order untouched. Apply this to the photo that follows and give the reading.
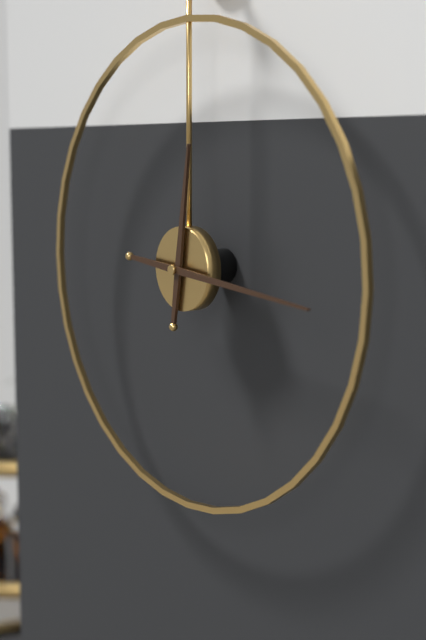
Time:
**12:16**
